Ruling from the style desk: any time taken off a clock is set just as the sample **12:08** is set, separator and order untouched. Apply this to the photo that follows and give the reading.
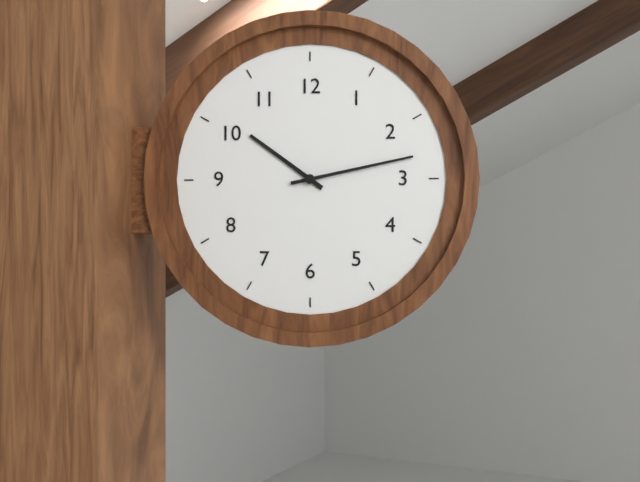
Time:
**10:13**
